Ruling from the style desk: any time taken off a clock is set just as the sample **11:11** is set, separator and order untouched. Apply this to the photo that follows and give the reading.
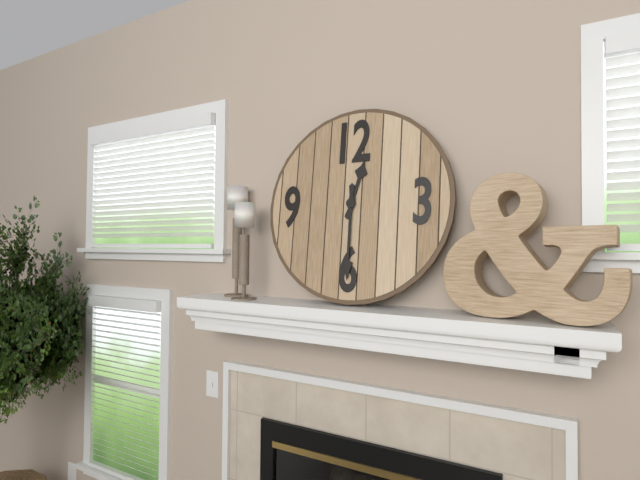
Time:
**12:30**
